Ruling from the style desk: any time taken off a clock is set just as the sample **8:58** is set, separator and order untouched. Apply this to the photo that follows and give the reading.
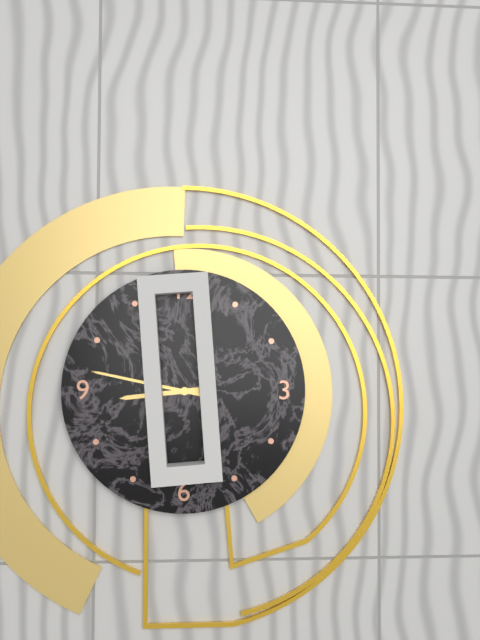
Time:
**8:47**
